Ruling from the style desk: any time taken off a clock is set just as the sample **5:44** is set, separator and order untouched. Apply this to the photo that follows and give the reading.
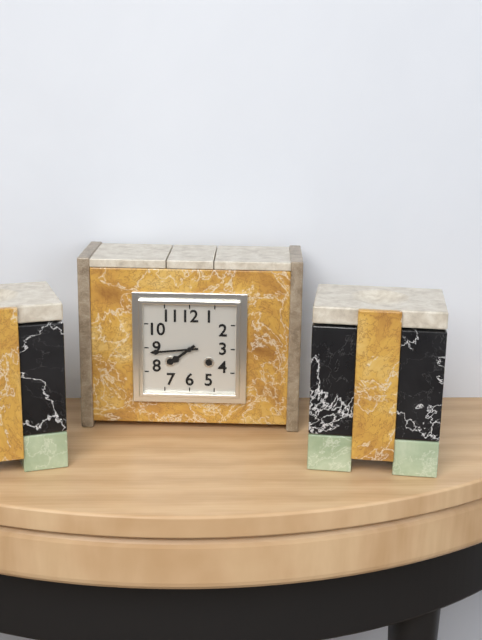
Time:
**7:44**
